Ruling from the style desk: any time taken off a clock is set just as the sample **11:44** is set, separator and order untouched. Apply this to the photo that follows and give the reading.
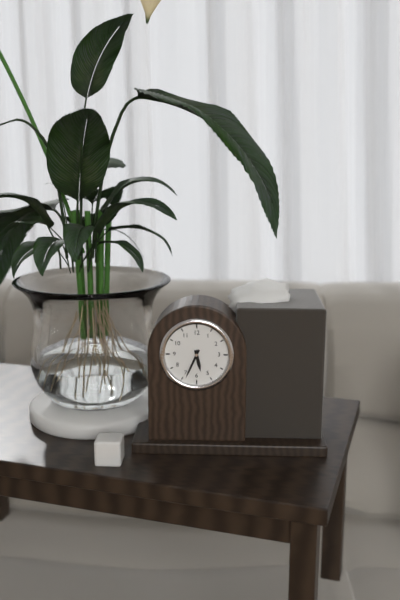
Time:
**5:34**
